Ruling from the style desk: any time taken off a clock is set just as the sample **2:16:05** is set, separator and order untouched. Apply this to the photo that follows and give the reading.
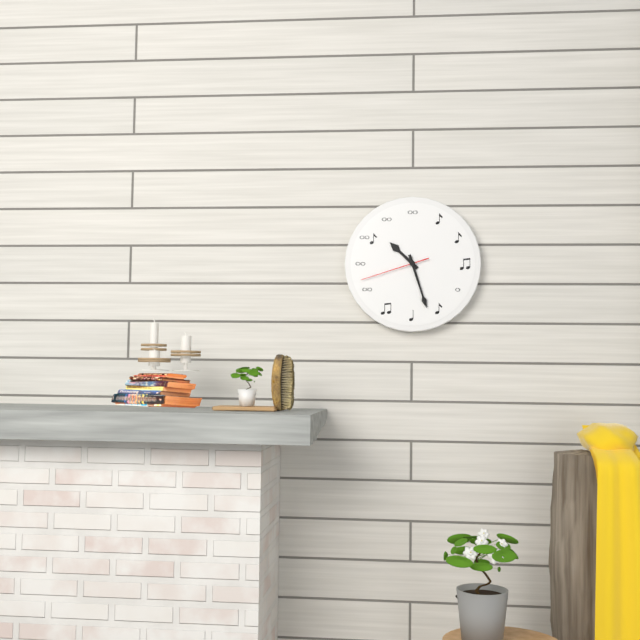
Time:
**10:27:42**
